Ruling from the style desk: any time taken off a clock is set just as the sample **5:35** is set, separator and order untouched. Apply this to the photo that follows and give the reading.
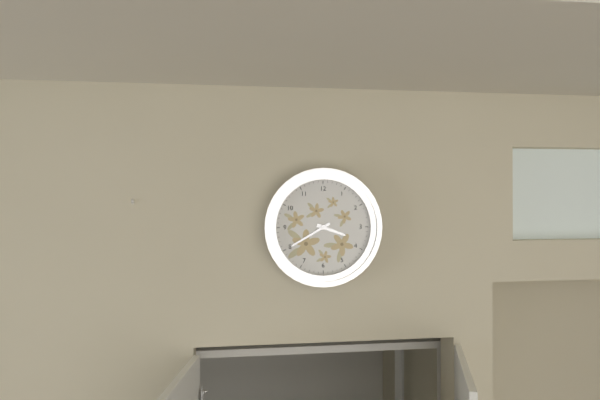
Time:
**3:40**
